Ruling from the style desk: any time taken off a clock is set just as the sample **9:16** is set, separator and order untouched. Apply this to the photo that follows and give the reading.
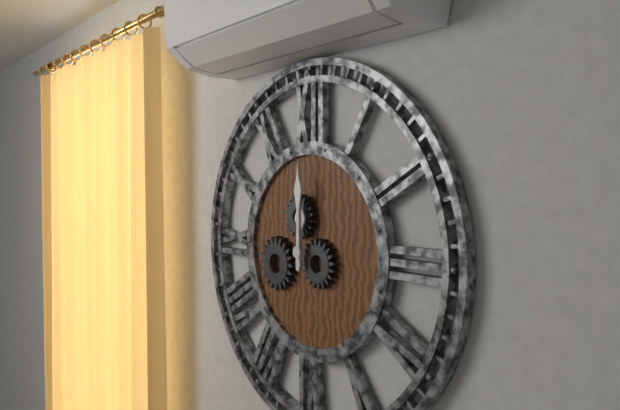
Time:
**12:00**
